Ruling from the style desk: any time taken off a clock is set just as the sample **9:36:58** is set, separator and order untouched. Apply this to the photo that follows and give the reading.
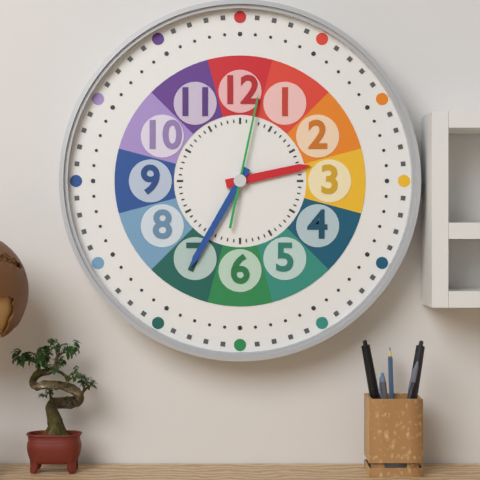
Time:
**2:35:02**
